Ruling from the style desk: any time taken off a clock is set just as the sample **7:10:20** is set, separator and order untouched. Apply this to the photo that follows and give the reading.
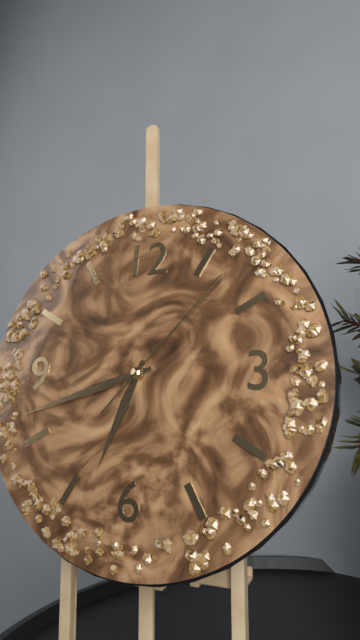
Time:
**6:42:07**
